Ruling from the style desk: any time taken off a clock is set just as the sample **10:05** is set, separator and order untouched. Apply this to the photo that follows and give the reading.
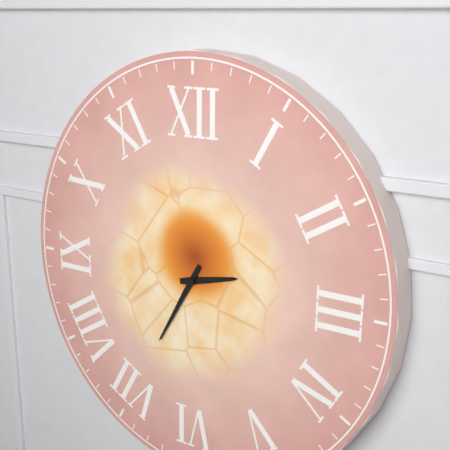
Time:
**2:35**
